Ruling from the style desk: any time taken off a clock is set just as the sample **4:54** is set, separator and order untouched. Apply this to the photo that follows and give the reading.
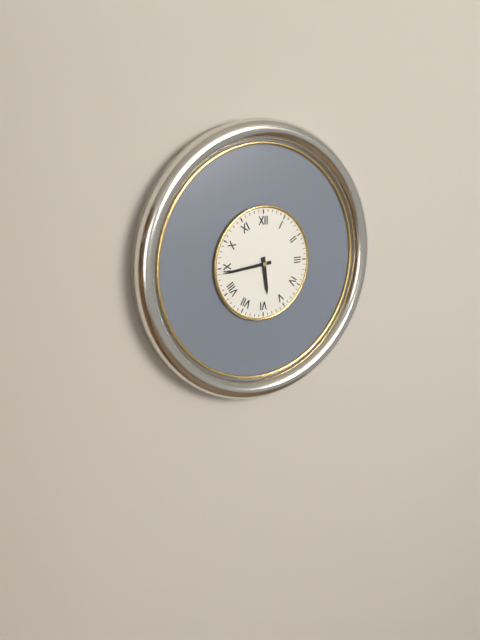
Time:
**5:44**
